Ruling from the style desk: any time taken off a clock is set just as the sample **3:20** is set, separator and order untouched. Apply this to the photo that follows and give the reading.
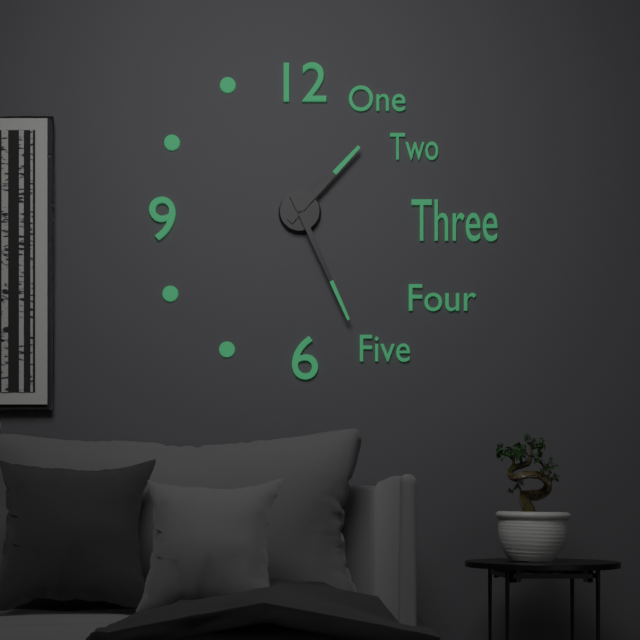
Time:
**1:26**
